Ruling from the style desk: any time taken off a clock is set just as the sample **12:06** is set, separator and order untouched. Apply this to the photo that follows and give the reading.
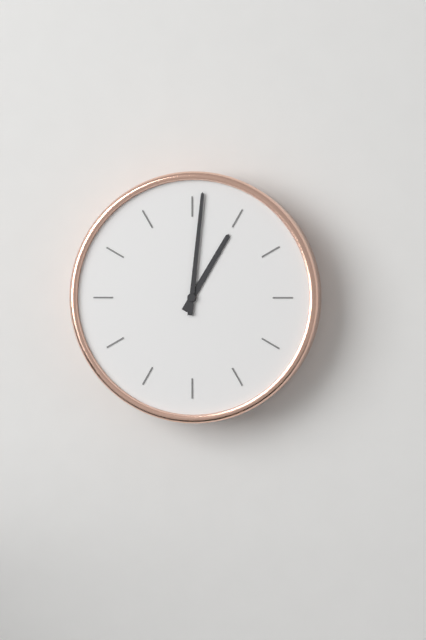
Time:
**1:01**
